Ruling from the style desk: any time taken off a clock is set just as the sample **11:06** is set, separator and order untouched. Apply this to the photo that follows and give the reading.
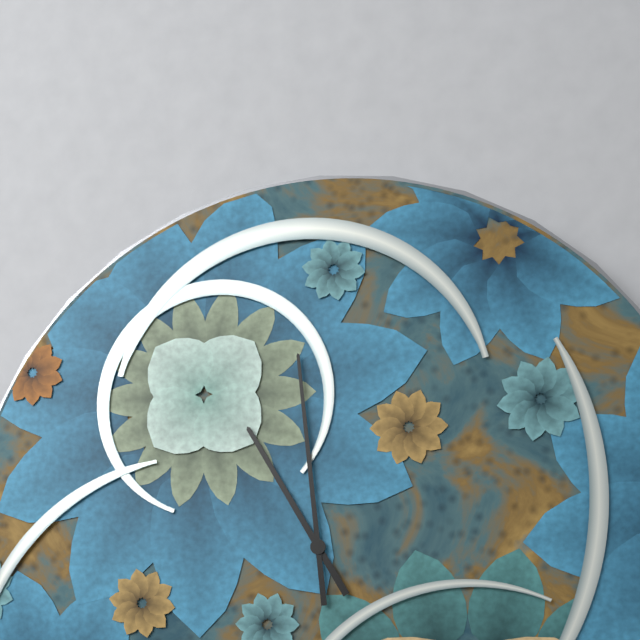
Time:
**10:59**
